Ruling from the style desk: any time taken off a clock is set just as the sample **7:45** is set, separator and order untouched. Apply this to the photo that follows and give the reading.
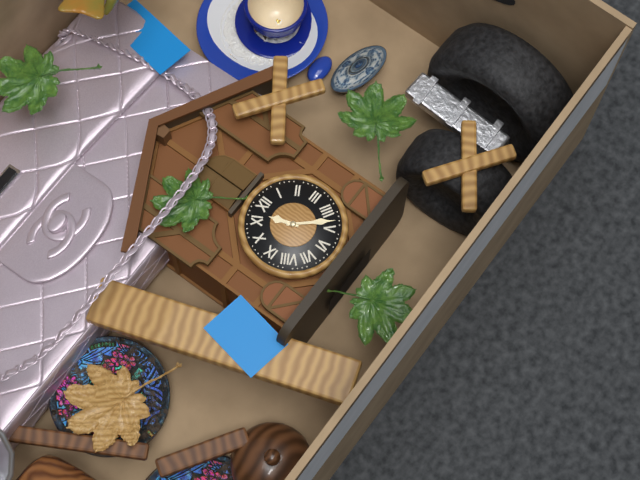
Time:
**11:23**
